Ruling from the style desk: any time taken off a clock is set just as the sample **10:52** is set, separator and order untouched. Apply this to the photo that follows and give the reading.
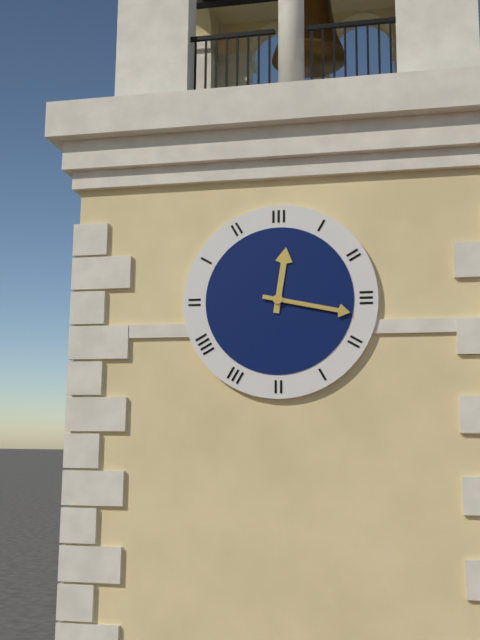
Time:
**12:17**
